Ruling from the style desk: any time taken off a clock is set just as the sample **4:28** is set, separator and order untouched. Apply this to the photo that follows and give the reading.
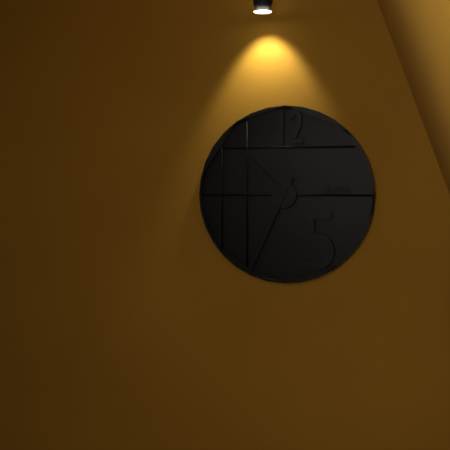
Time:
**10:34**
